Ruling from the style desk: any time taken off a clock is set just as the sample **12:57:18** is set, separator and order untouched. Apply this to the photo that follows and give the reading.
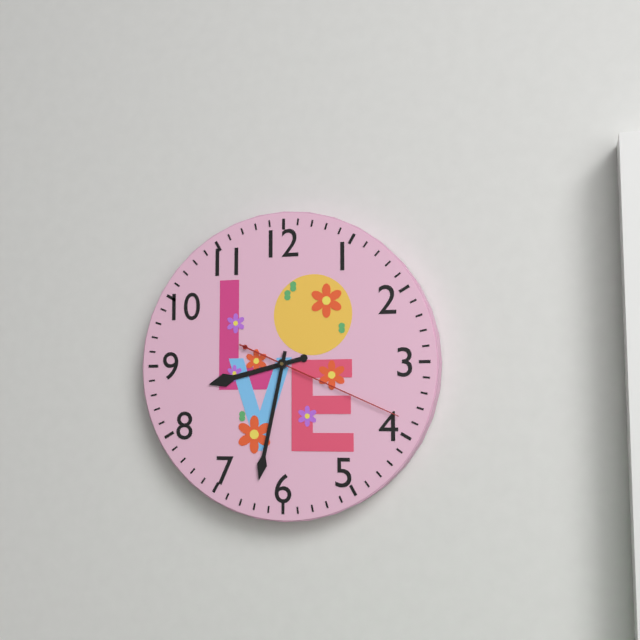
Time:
**8:32:19**
